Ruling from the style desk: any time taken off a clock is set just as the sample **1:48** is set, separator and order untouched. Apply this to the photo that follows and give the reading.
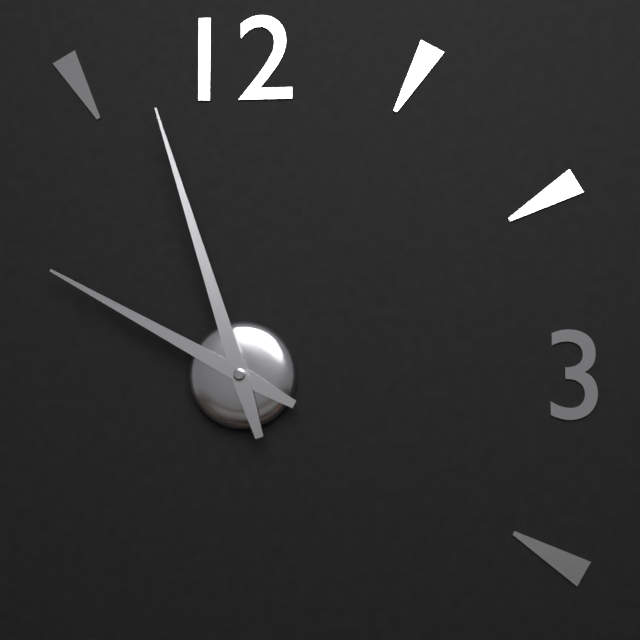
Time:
**9:57**
